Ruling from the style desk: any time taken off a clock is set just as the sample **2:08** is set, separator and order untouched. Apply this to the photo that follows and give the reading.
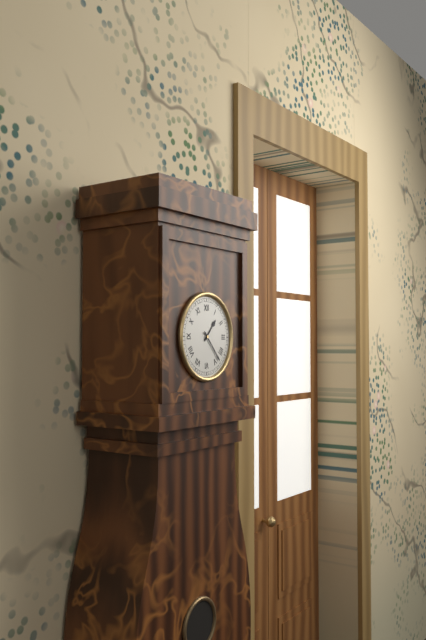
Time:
**1:23**
